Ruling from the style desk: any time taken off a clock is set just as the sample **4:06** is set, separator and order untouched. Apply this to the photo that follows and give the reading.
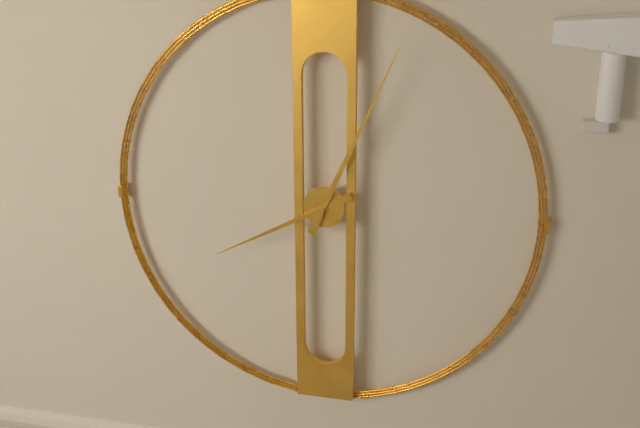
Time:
**8:04**
